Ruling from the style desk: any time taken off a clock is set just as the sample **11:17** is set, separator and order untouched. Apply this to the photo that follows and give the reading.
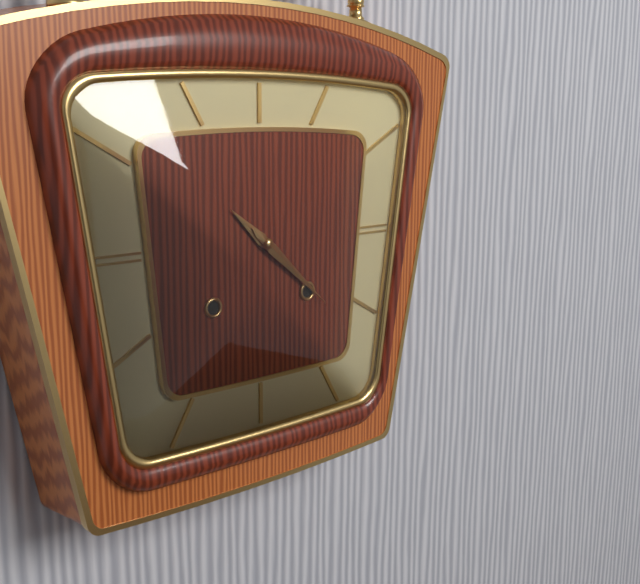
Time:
**10:22**
